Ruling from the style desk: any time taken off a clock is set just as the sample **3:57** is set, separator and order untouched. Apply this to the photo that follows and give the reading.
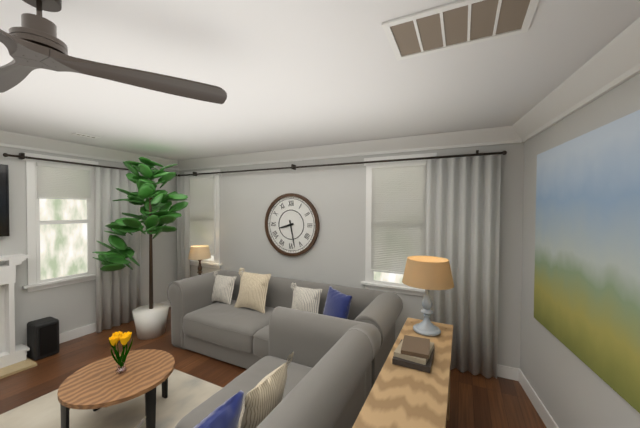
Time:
**8:28**
